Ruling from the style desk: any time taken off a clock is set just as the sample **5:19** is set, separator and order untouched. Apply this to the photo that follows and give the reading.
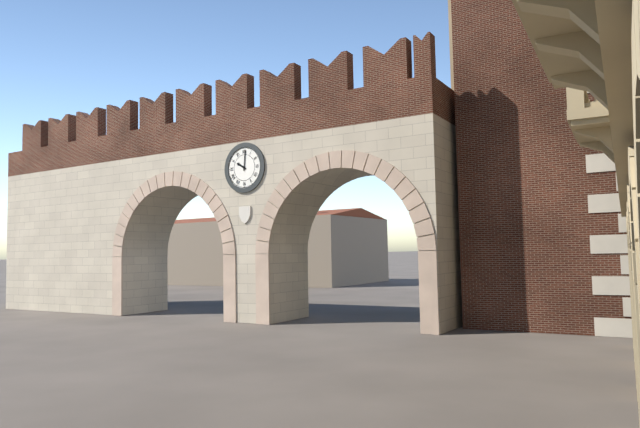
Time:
**10:01**
